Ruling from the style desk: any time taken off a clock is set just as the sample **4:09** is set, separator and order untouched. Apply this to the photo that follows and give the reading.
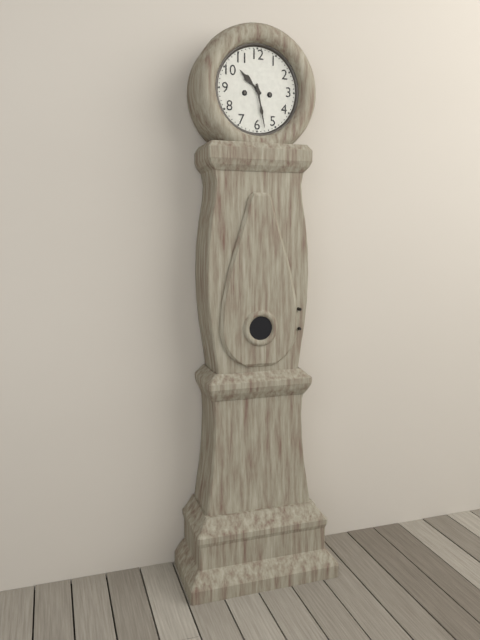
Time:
**10:28**
